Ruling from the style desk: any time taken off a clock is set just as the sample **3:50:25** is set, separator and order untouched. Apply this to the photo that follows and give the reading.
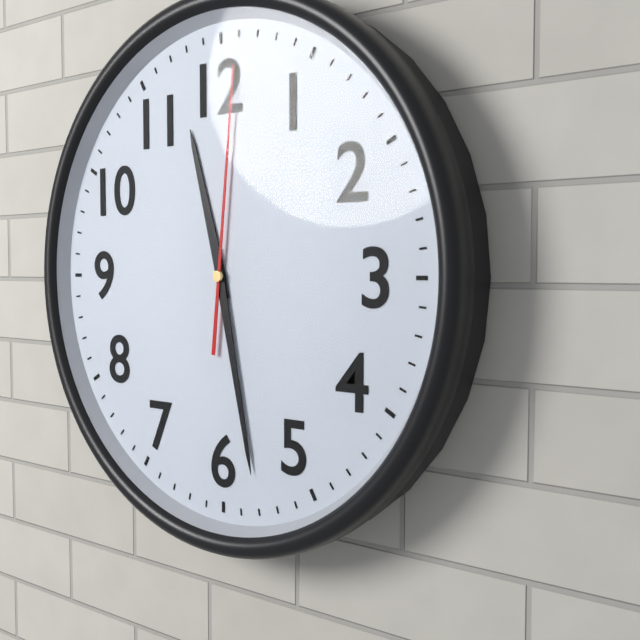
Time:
**11:28:01**
